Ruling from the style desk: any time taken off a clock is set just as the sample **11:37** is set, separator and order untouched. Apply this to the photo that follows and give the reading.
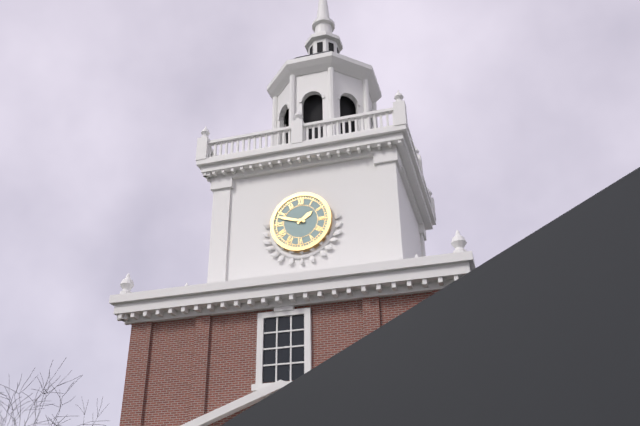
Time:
**1:48**
